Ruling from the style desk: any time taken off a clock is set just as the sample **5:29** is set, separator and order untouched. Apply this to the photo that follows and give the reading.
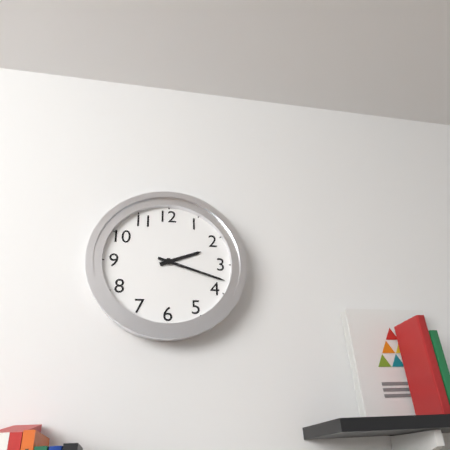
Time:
**2:18**
